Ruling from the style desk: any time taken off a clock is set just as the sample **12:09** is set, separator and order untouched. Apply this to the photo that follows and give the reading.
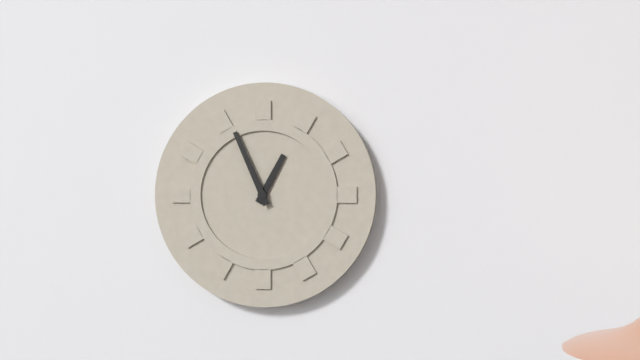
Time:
**12:56**
